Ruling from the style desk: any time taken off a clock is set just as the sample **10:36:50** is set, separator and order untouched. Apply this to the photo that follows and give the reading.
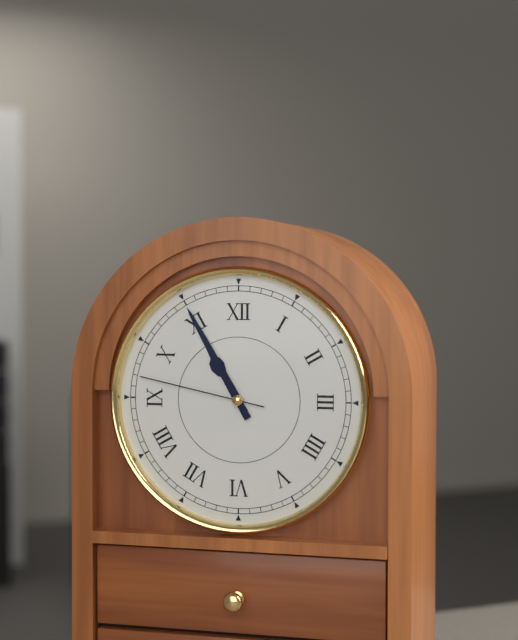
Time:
**10:55:47**
